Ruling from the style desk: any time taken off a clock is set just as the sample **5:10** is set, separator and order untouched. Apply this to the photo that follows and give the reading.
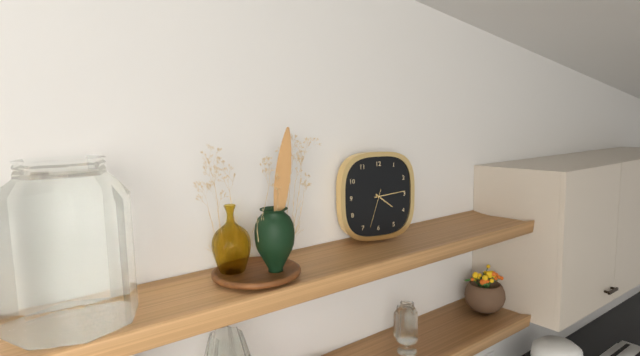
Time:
**4:14**
